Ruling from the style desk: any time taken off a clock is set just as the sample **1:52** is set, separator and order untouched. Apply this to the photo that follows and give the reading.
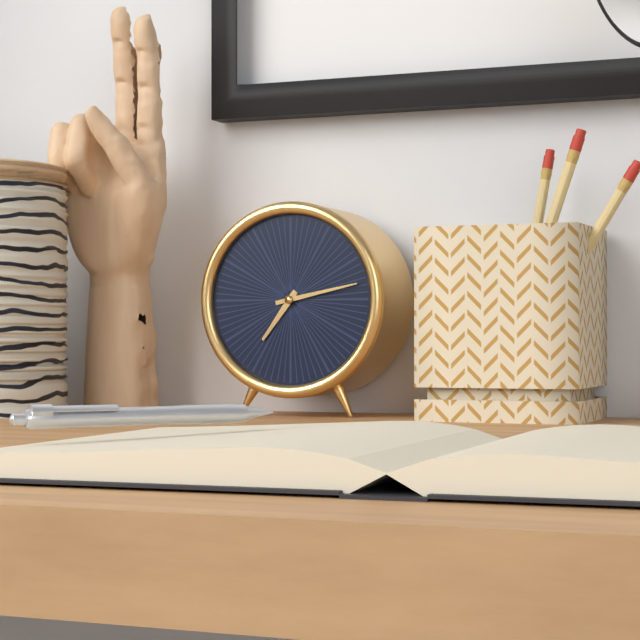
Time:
**7:13**
